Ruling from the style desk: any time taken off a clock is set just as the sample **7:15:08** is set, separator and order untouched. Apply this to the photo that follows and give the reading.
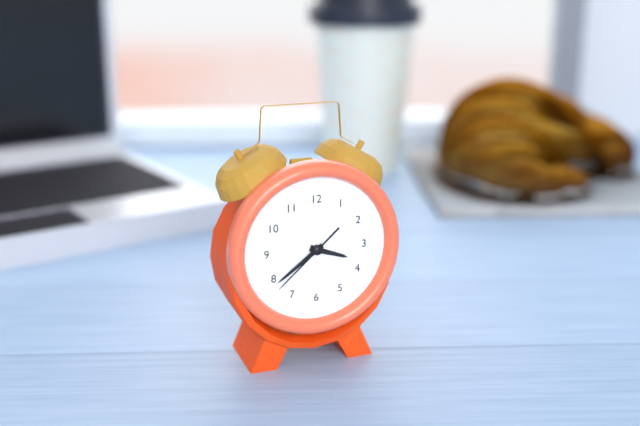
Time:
**3:39:38**
